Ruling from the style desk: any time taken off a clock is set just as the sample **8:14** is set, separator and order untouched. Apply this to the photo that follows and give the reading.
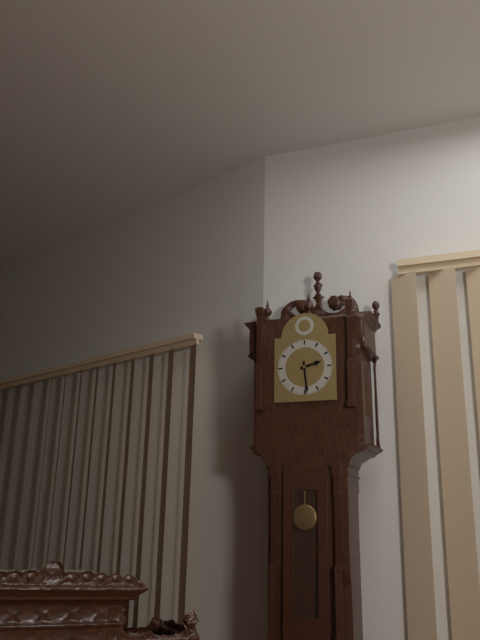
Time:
**2:29**
